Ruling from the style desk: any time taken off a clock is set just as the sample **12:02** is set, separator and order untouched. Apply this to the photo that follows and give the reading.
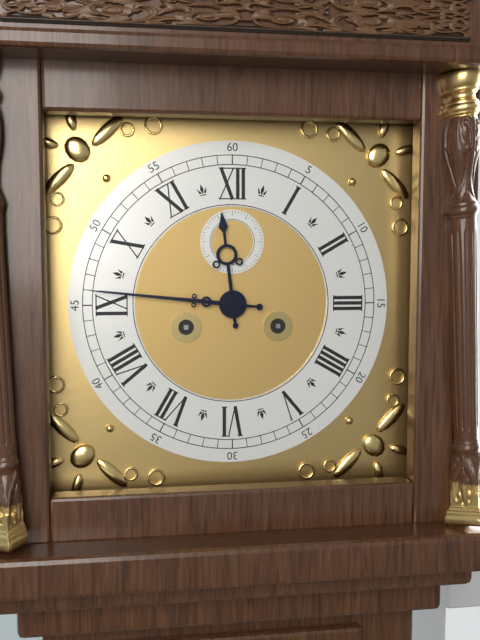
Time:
**11:46**
